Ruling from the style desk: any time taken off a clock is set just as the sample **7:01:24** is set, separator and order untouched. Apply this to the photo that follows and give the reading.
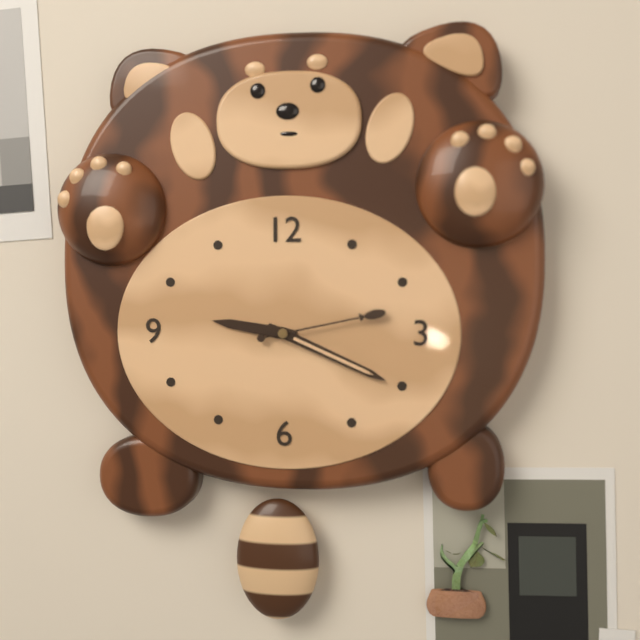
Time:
**9:19:13**
